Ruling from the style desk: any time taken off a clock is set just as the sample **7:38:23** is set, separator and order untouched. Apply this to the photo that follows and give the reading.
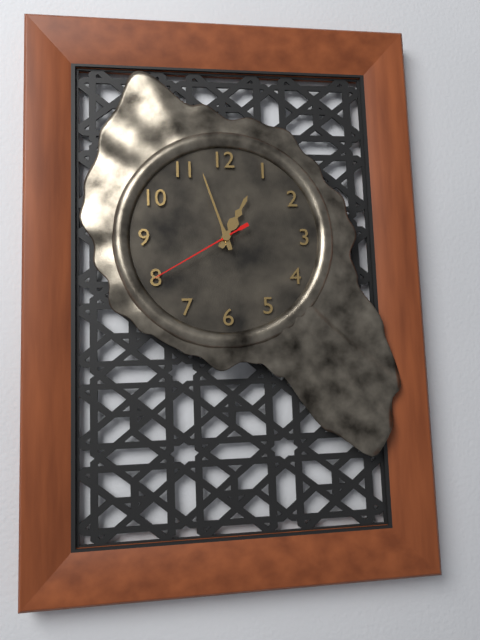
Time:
**12:57:40**
